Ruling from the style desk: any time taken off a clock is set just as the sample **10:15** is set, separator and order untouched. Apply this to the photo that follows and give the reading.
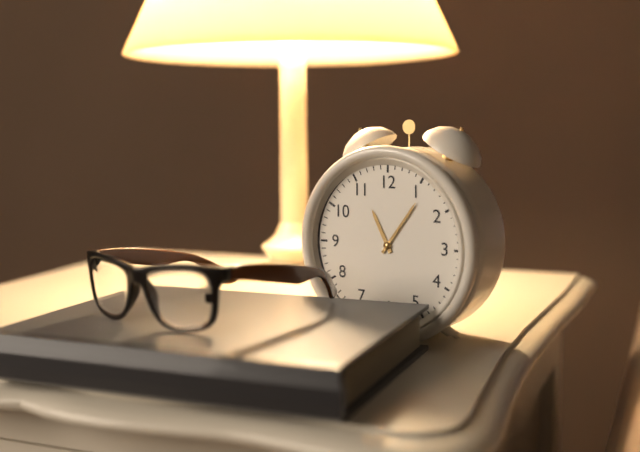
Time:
**11:06**
